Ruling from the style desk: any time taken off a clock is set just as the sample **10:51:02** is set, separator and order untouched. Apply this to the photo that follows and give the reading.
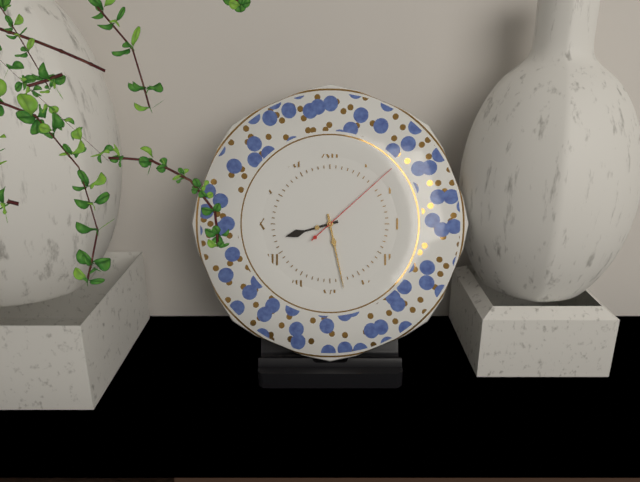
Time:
**8:28:08**
